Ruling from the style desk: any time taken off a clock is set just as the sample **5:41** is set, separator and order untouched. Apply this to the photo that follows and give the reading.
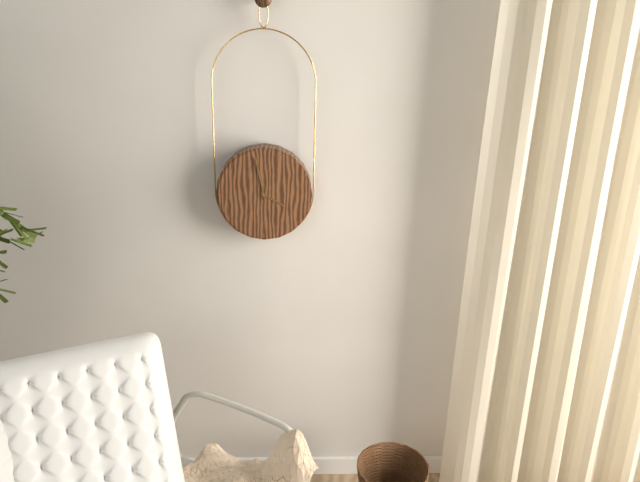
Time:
**3:58**
